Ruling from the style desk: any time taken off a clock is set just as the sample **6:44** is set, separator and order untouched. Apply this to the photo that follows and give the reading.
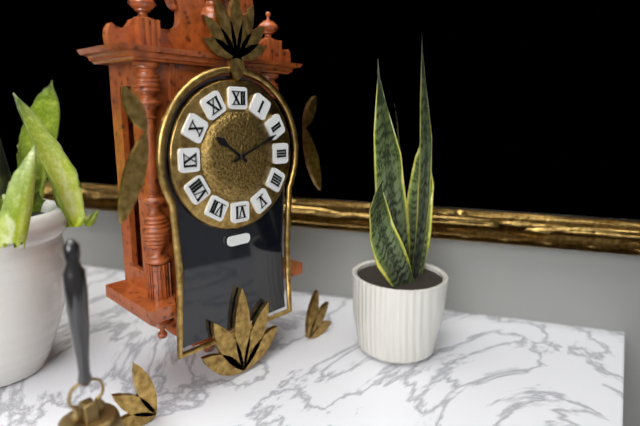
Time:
**10:11**
